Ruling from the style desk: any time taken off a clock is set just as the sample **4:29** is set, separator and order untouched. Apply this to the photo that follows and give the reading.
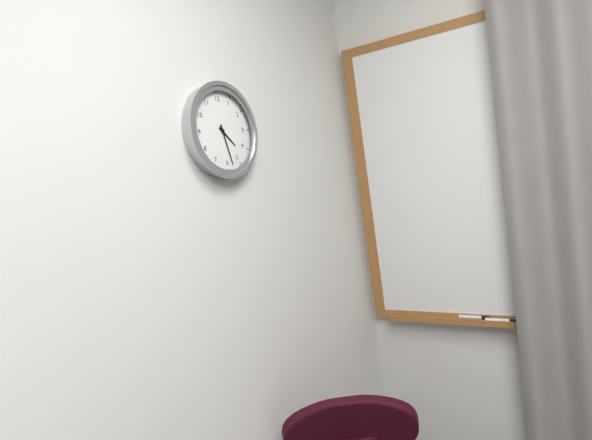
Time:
**4:28**
